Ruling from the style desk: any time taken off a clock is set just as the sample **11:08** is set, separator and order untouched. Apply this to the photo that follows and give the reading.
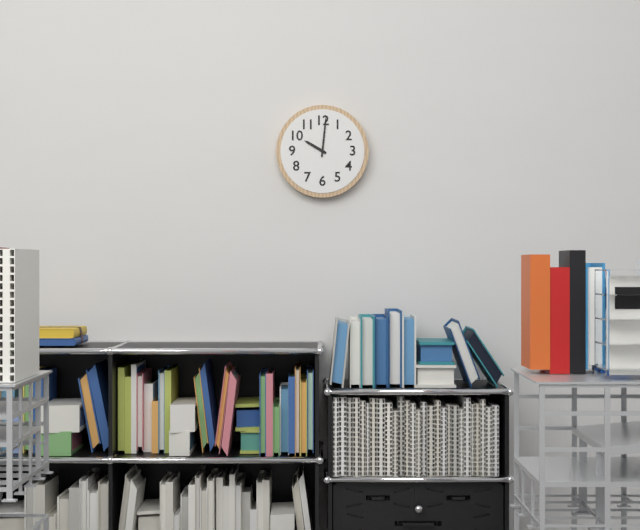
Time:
**10:01**
